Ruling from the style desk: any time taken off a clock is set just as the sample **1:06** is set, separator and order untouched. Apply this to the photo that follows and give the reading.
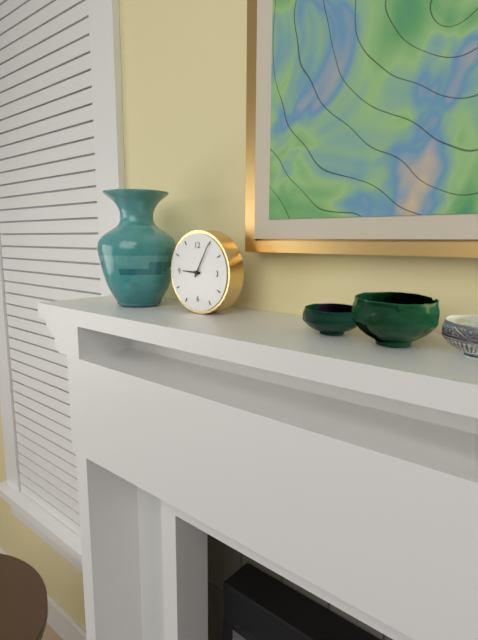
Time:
**9:05**
